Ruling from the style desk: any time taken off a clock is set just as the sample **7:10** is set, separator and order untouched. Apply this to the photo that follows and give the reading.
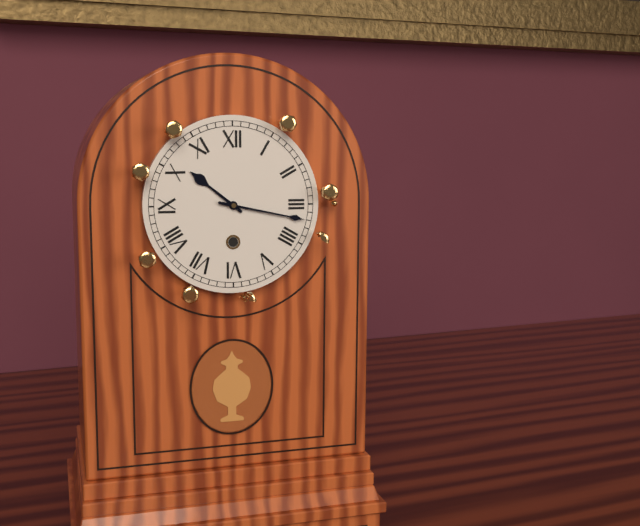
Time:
**10:17**
